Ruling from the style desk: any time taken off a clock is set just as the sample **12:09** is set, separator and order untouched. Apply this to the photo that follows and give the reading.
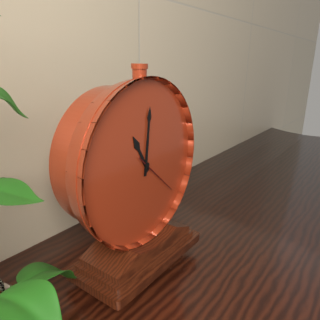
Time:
**11:01**
